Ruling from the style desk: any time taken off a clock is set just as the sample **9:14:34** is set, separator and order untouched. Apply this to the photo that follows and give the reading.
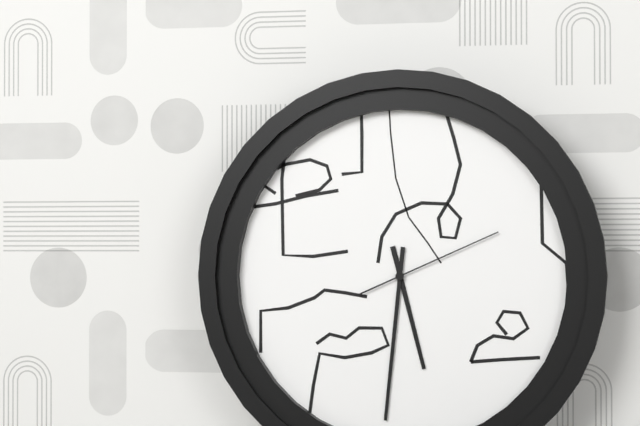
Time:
**5:31:11**
